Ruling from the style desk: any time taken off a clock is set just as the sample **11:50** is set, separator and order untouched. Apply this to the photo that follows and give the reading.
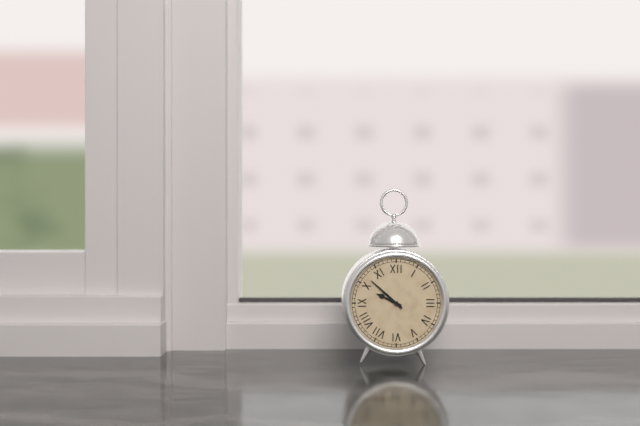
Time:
**9:52**
